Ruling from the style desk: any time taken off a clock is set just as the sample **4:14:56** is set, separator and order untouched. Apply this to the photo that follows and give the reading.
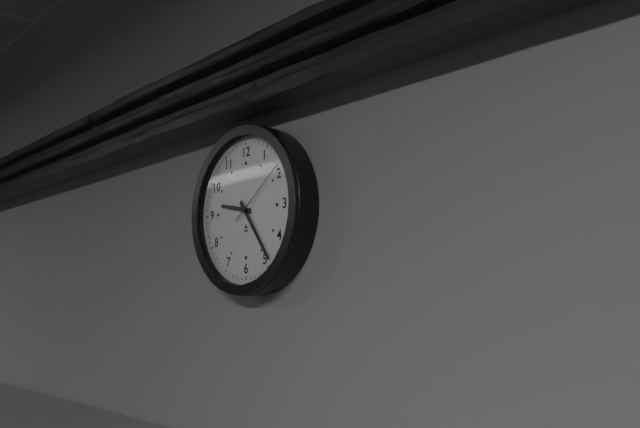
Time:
**9:24:09**
